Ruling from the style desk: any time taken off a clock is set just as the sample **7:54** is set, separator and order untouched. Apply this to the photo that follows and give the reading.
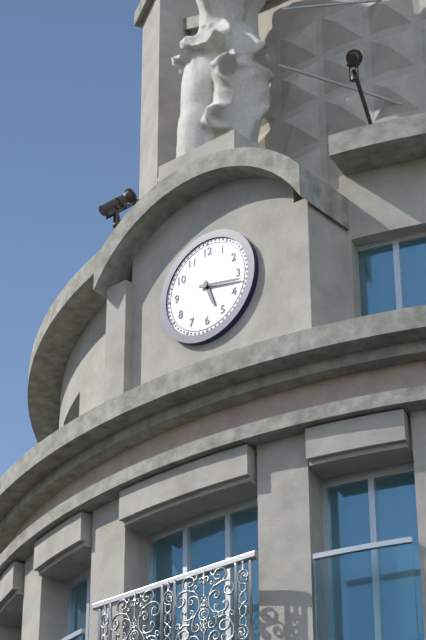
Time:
**5:17**
